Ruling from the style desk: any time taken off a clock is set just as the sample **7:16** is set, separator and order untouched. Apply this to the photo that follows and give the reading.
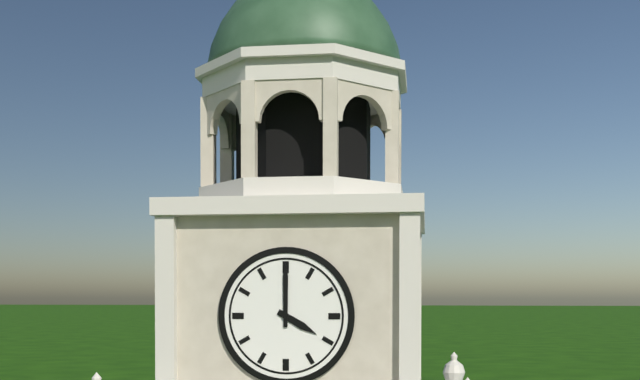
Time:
**4:00**
